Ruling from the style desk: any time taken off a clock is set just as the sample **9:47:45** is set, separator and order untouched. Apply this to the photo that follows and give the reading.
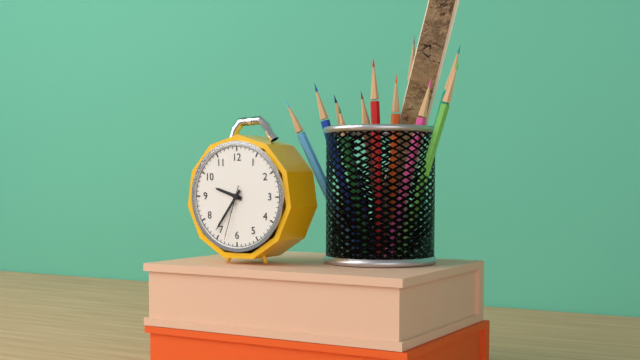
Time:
**9:36:33**
